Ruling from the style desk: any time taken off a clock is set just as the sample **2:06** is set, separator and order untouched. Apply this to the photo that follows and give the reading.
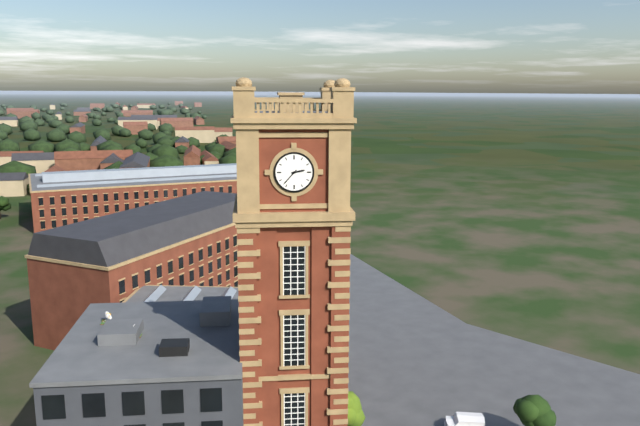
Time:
**2:37**
